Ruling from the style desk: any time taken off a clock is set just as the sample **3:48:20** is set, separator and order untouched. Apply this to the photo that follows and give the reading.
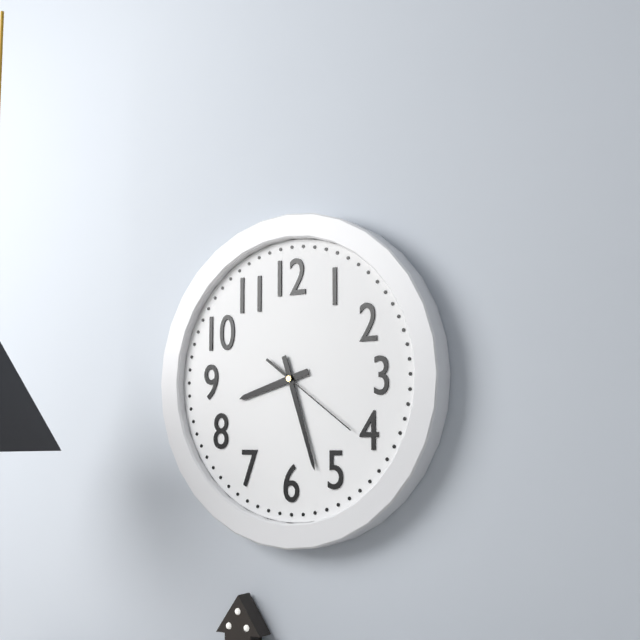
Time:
**8:27:21**
